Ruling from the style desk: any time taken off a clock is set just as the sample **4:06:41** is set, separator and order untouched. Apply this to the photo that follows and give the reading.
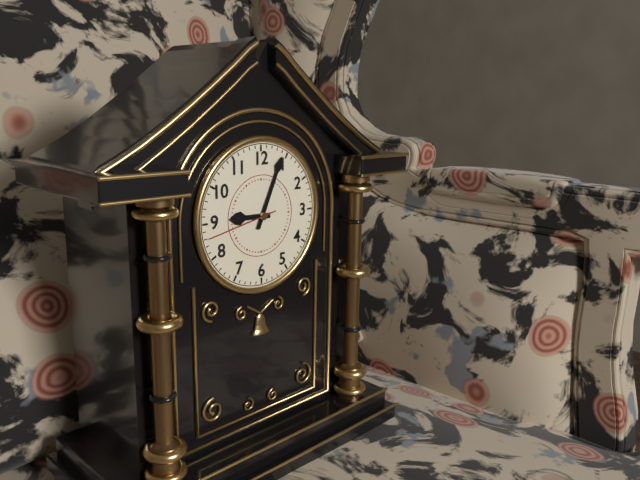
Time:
**9:04:43**
